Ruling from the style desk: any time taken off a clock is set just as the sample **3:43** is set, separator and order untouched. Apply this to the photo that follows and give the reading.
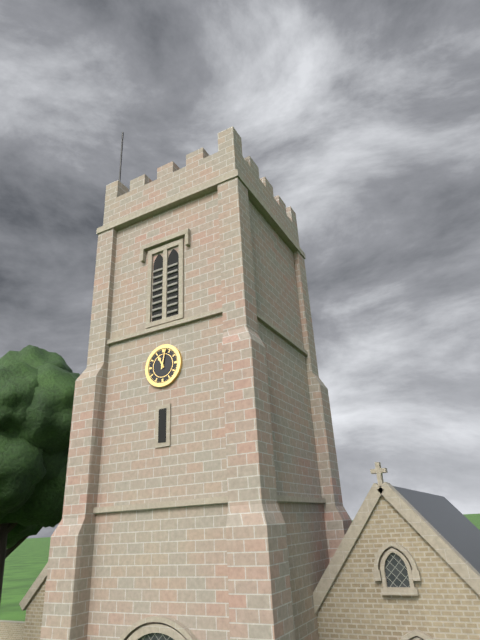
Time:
**11:02**
